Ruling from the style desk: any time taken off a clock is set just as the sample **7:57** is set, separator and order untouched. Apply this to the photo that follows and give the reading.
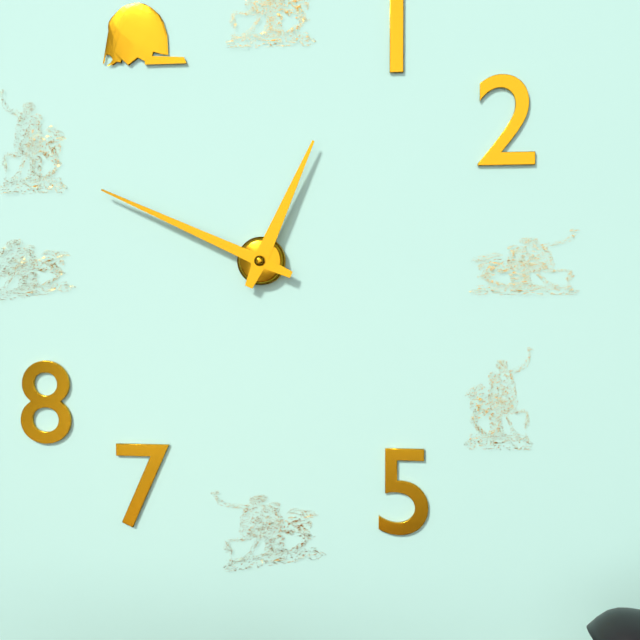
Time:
**12:49**
